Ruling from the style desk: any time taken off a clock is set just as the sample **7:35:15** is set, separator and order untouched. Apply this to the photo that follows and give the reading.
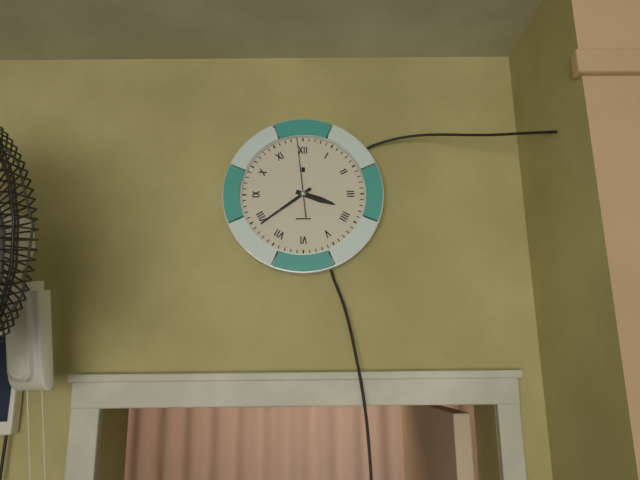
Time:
**3:39:59**
